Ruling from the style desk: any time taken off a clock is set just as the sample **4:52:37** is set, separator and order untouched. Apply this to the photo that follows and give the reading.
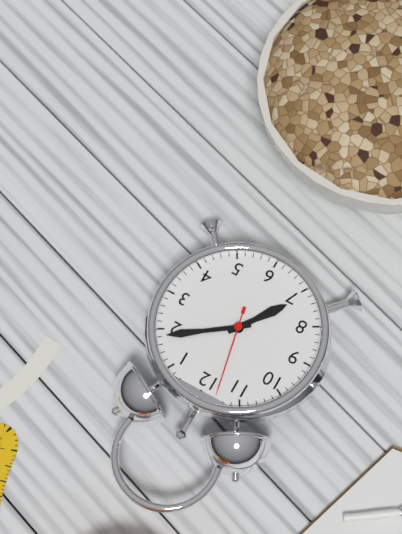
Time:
**7:09:58**
